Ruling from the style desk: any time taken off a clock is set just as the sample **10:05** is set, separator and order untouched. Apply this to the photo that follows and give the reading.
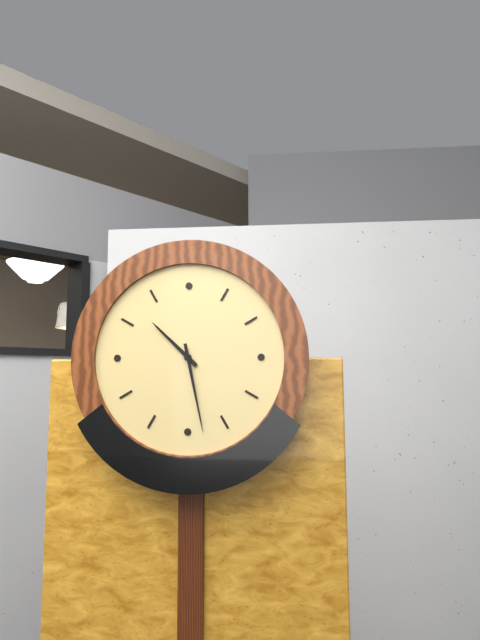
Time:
**10:28**
